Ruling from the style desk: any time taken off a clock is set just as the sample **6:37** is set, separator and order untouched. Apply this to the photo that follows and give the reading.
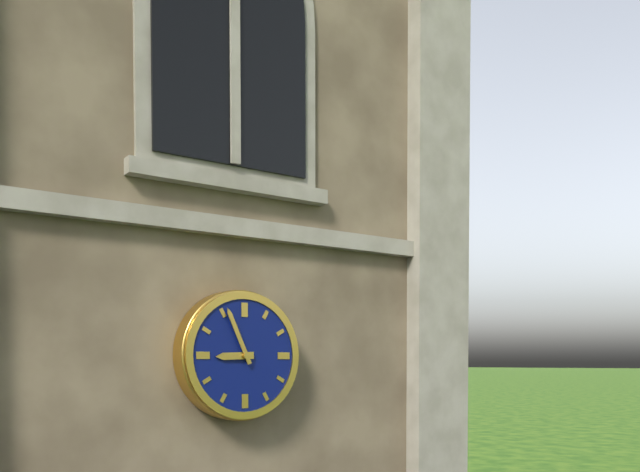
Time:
**8:56**
